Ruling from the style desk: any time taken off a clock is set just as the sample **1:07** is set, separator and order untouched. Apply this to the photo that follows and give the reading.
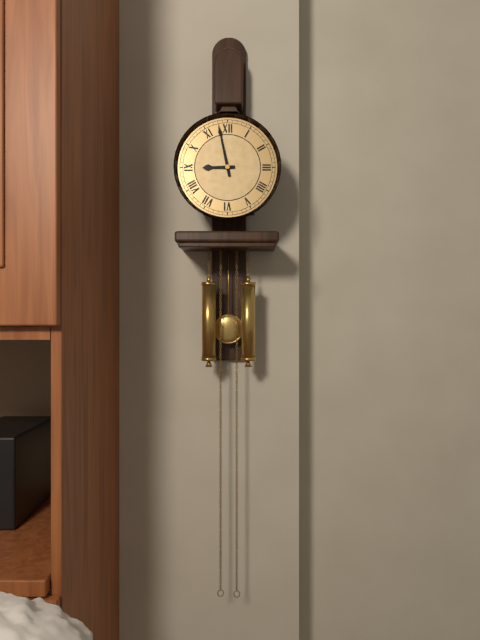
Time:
**8:58**
